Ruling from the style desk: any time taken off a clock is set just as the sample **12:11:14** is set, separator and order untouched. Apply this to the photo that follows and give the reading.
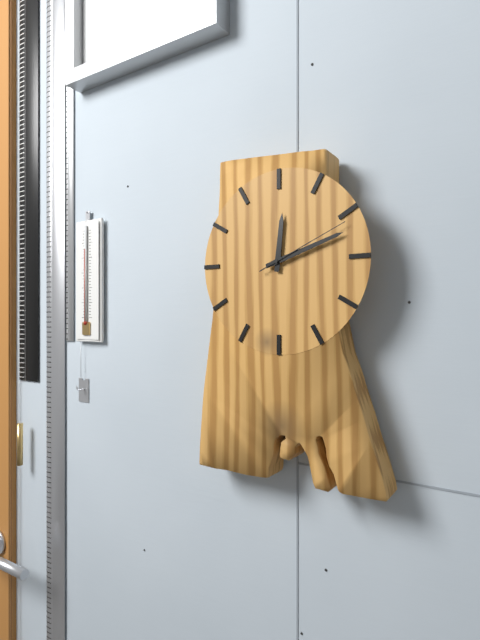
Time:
**12:12:11**
